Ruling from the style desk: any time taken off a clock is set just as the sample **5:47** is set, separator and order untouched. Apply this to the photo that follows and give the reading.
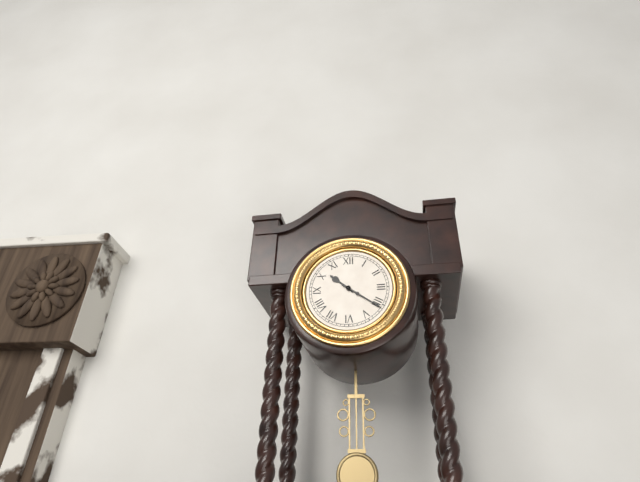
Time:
**10:21**
